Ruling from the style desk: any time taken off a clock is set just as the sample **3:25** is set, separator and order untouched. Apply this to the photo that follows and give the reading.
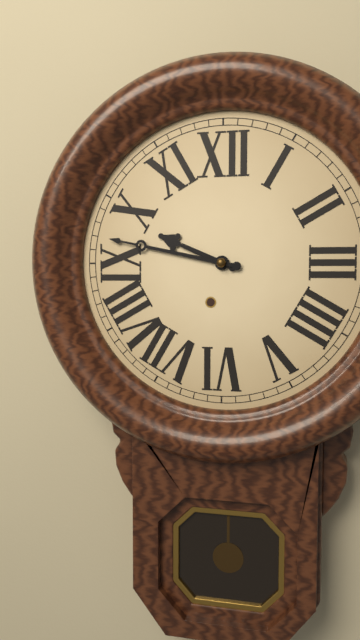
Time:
**9:47**
